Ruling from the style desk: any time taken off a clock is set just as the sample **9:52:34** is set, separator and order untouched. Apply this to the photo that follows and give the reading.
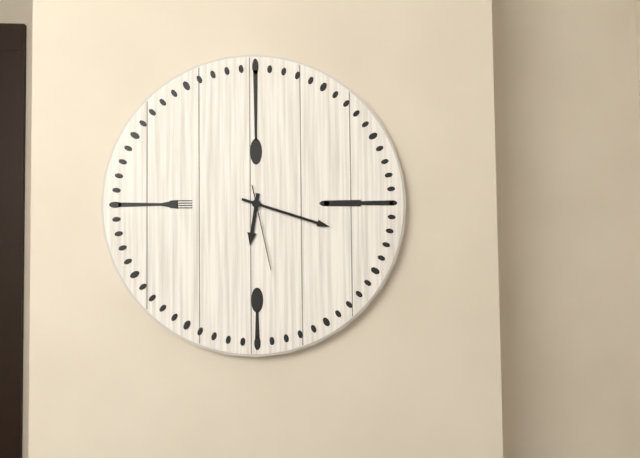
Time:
**6:18:28**
